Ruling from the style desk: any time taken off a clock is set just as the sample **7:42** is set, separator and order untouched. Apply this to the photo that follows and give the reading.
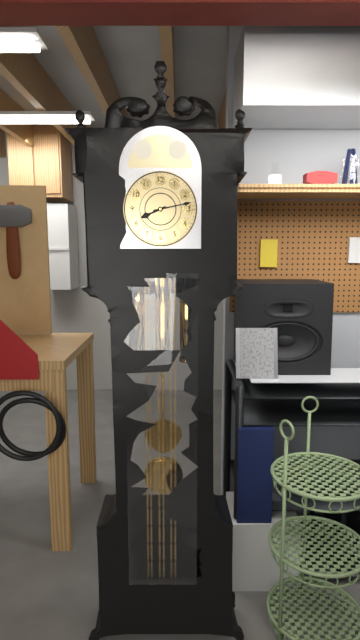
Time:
**8:13**
